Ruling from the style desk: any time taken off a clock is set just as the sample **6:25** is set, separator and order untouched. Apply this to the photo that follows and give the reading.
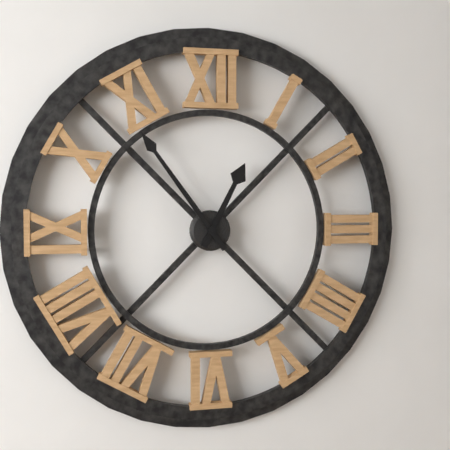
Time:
**12:54**
